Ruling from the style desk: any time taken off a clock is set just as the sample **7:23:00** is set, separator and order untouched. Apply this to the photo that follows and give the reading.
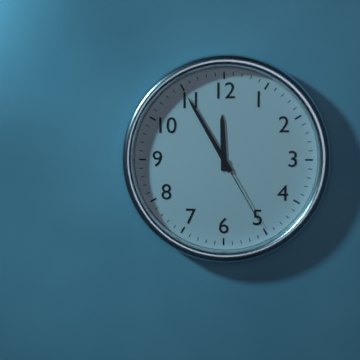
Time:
**11:55:25**
